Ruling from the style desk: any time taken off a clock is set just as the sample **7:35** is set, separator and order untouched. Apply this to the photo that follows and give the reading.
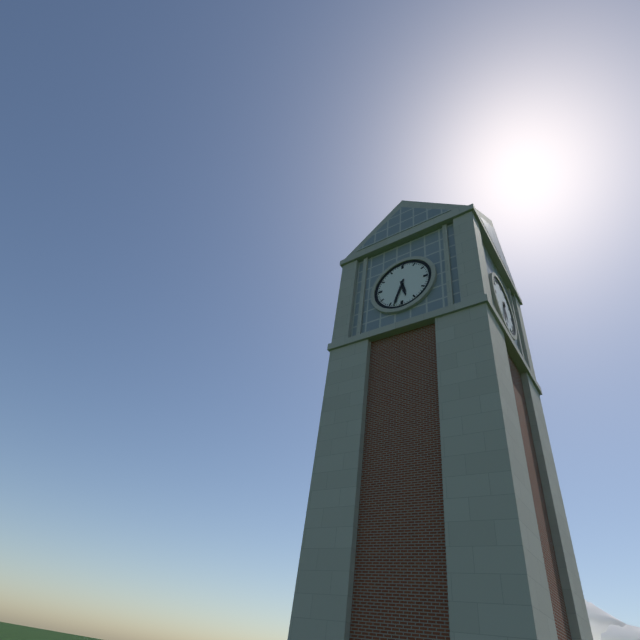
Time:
**5:33**
